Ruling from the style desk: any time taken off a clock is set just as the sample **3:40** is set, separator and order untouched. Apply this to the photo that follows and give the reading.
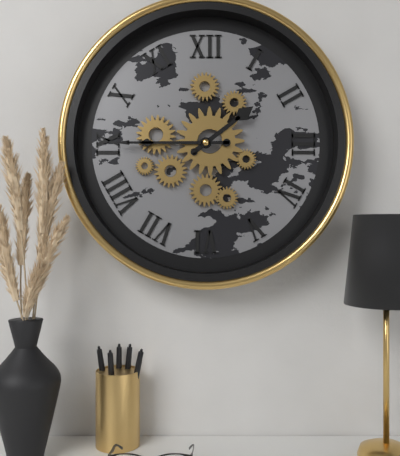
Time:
**1:45**
